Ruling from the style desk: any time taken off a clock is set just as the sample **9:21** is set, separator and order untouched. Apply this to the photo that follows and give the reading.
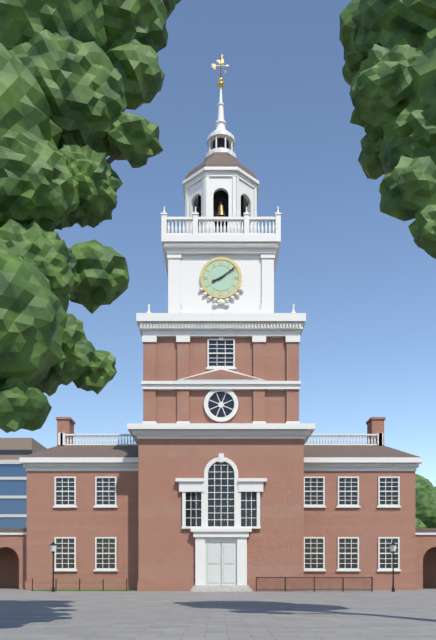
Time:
**8:09**
